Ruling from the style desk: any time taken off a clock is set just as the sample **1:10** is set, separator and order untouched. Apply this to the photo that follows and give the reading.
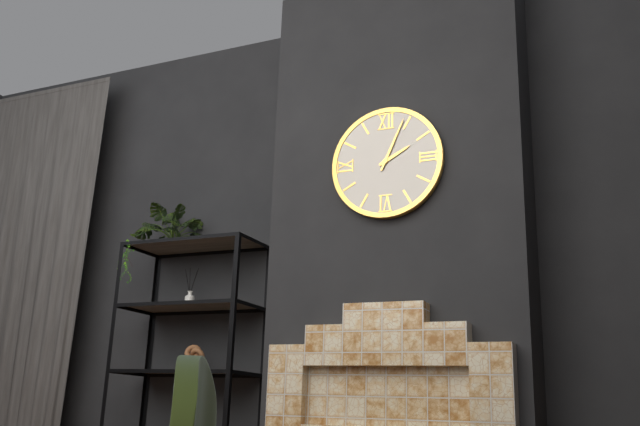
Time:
**2:04**
